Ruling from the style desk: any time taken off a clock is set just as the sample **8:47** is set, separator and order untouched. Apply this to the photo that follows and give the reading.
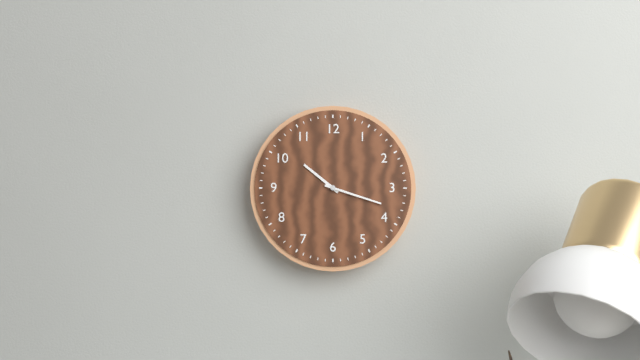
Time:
**10:18**
